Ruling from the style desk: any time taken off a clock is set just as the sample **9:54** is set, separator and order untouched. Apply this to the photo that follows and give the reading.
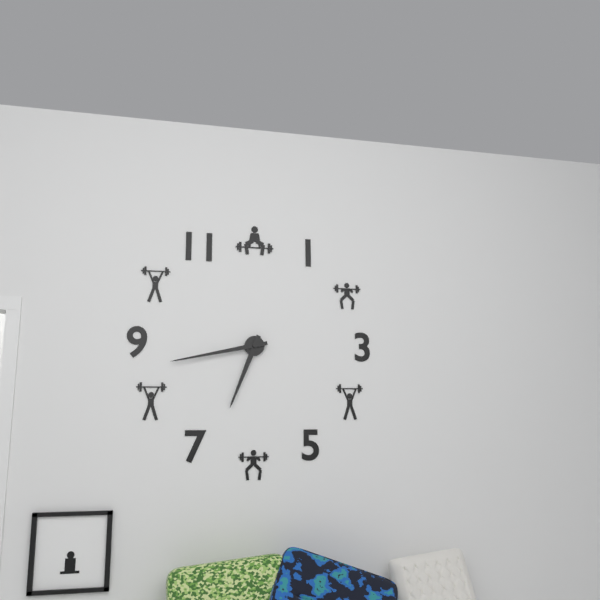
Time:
**6:43**
